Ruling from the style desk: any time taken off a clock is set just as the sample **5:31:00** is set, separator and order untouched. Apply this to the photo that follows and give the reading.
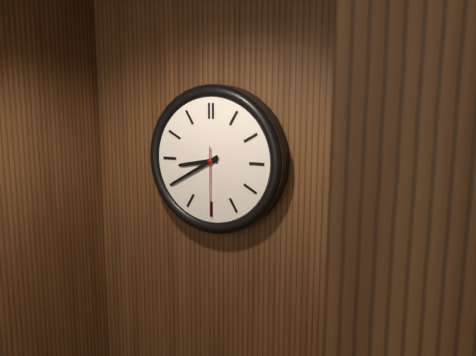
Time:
**8:40:30**
